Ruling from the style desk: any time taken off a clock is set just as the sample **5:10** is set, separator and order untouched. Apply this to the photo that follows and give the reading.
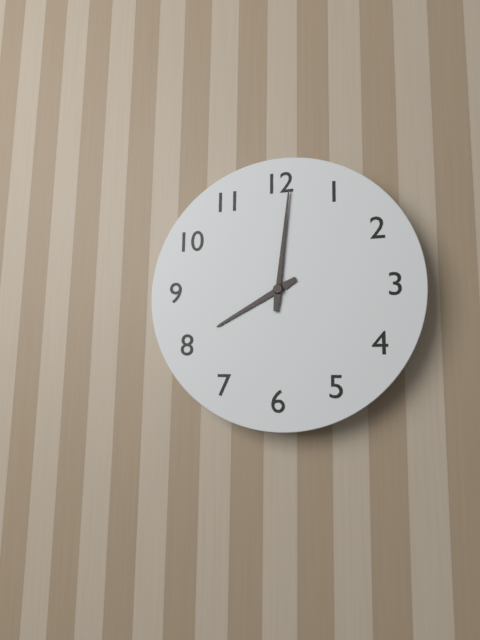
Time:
**8:01**
